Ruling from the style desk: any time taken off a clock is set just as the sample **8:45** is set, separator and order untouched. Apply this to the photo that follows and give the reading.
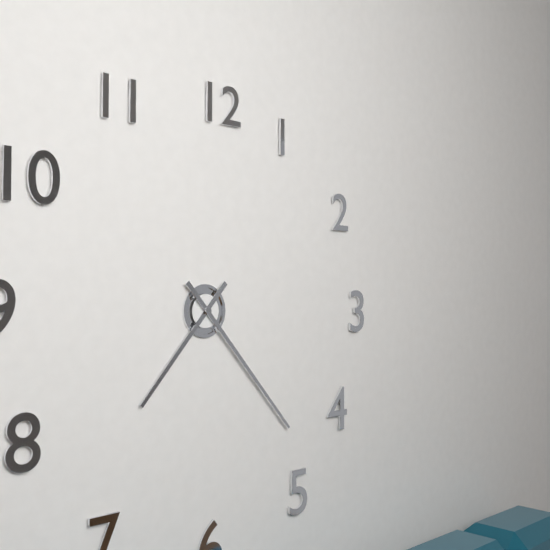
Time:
**7:23**
